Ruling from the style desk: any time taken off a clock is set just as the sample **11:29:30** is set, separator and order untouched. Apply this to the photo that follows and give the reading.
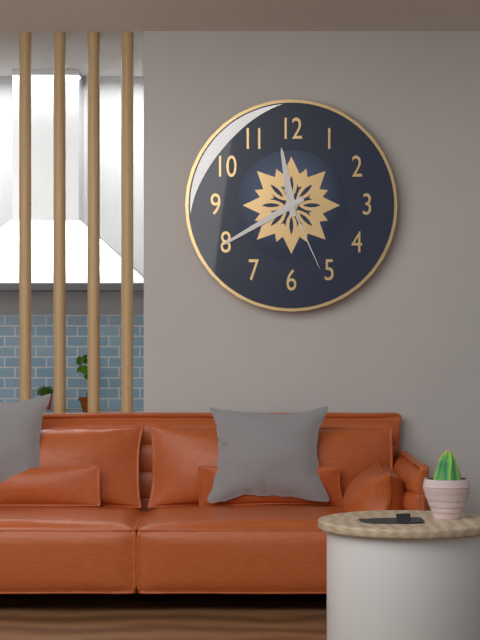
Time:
**11:40:26**
